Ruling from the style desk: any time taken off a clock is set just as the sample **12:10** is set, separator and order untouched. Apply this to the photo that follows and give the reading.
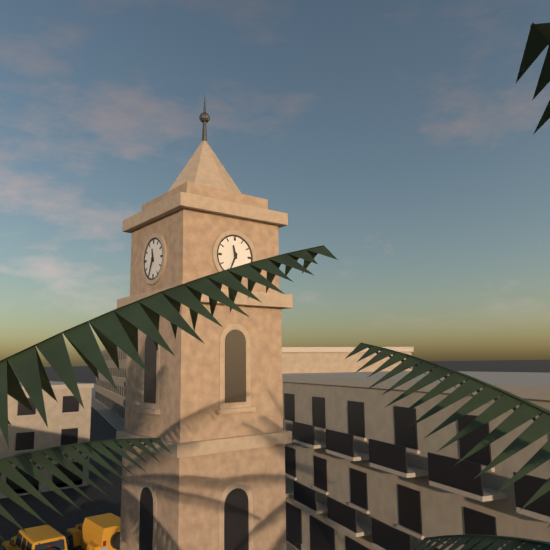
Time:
**11:34**
